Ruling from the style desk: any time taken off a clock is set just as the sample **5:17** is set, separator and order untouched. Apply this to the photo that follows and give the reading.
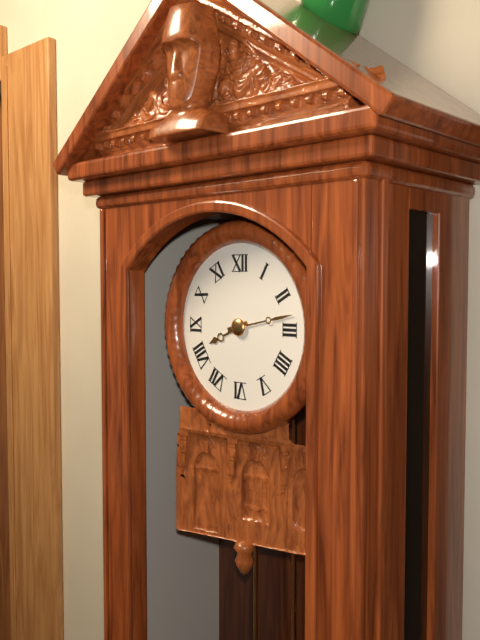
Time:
**8:13**
